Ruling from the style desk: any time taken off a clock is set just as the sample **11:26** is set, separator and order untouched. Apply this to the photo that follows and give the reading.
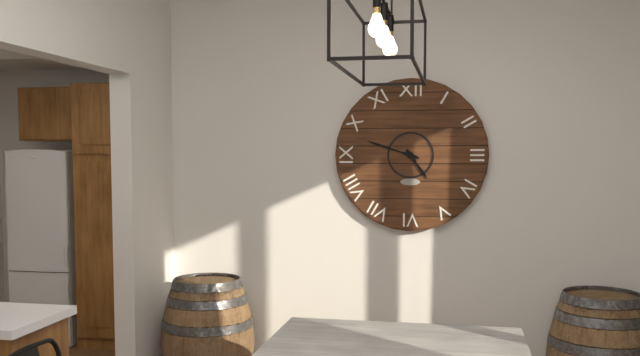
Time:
**4:48**
